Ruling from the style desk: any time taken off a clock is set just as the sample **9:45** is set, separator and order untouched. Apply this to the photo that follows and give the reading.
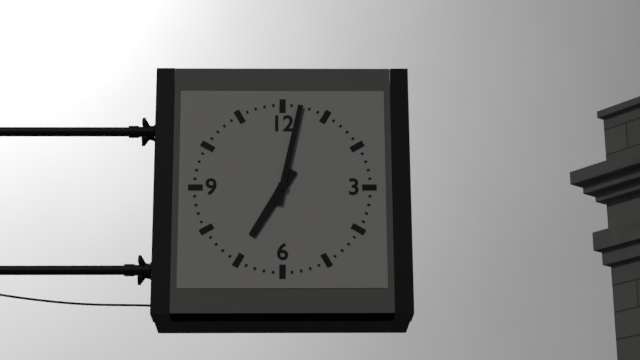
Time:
**7:02**
